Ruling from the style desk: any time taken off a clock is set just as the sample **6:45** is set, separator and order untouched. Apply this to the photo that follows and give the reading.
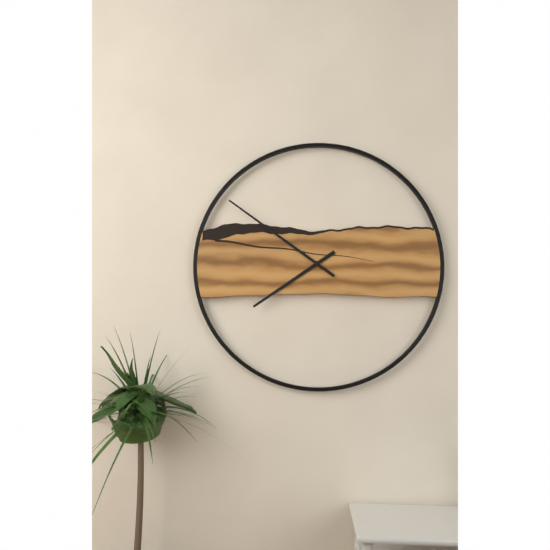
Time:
**7:51**
